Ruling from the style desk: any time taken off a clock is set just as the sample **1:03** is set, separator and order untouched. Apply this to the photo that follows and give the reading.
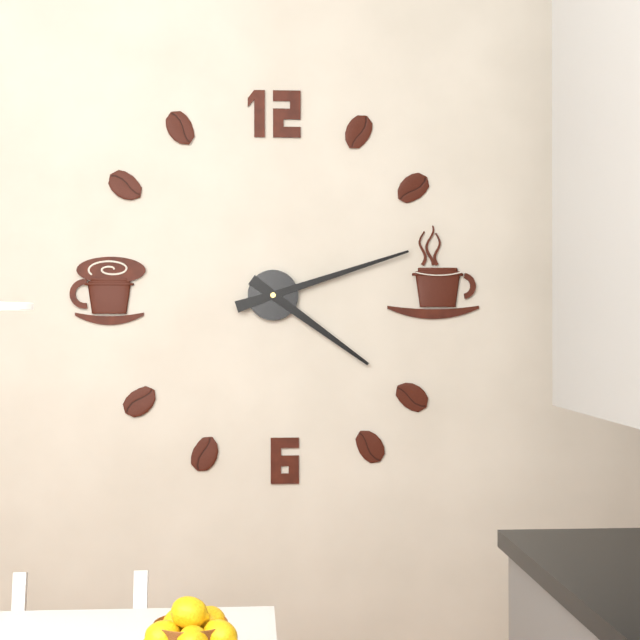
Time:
**4:12**
